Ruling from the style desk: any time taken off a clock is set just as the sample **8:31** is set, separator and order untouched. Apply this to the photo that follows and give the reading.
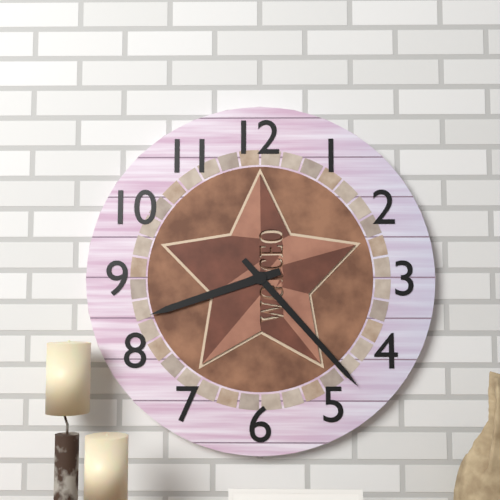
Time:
**8:23**
